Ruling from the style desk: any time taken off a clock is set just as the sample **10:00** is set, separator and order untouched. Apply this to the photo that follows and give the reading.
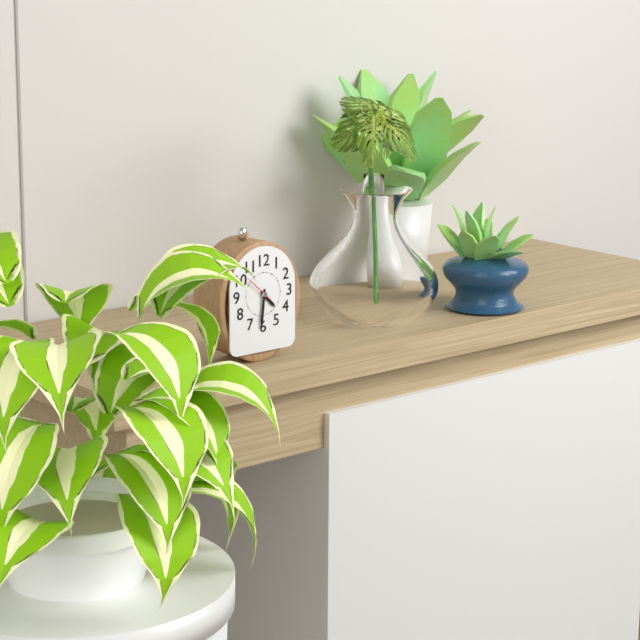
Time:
**4:31**
